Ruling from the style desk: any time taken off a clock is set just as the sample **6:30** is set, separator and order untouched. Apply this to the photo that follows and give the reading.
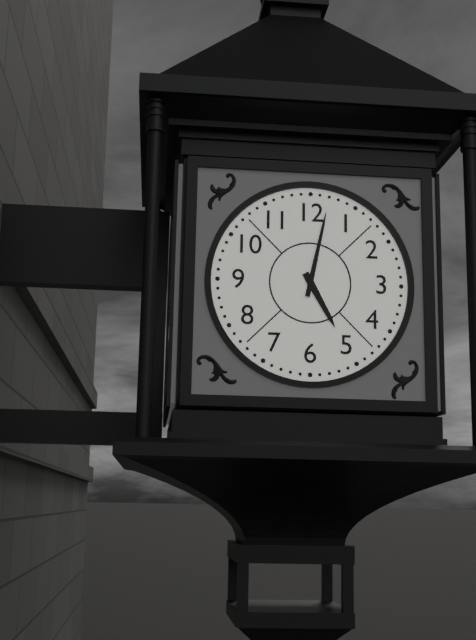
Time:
**5:02**
